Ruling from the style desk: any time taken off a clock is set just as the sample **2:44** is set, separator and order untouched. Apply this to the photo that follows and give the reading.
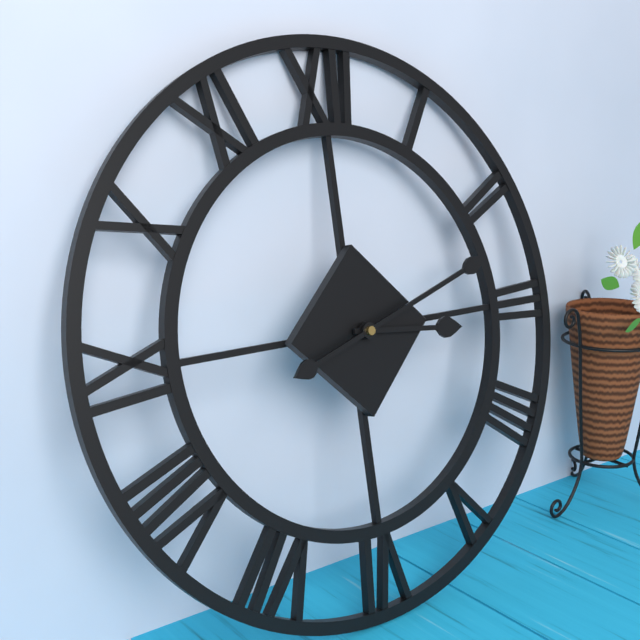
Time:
**3:12**
